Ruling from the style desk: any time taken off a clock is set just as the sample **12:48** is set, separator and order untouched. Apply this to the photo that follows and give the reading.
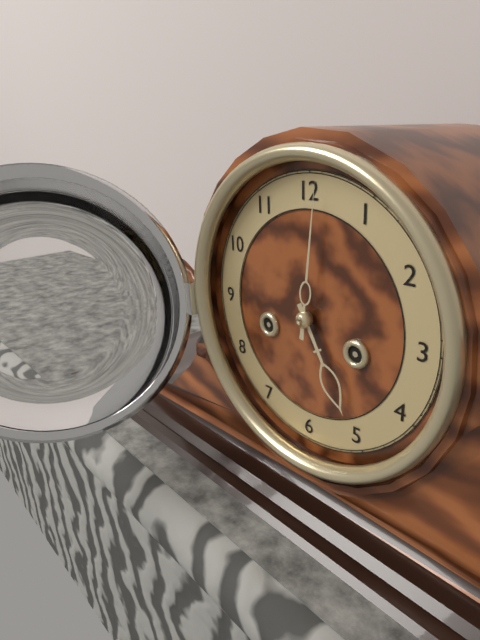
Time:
**5:01**
